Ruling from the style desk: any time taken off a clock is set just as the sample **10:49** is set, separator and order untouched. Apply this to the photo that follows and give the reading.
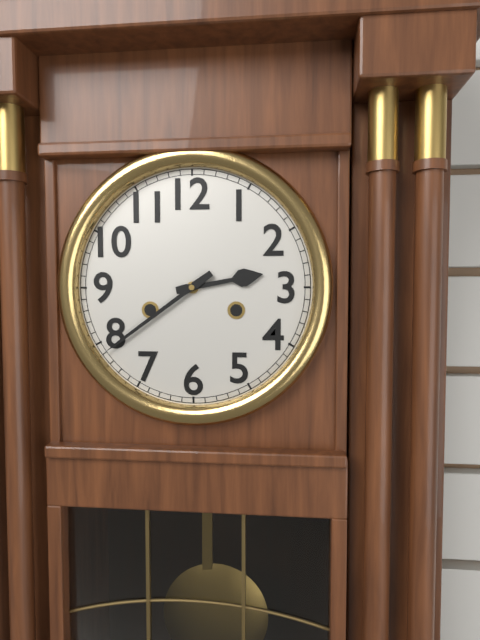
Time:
**2:39**
